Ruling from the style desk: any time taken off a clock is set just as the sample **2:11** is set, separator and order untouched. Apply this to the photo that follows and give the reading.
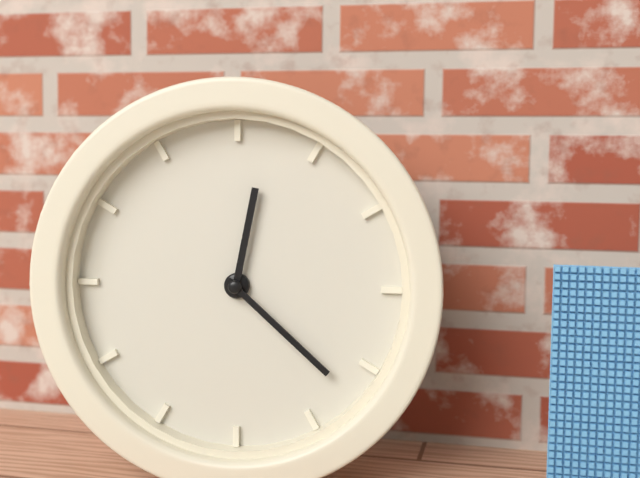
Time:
**12:22**
